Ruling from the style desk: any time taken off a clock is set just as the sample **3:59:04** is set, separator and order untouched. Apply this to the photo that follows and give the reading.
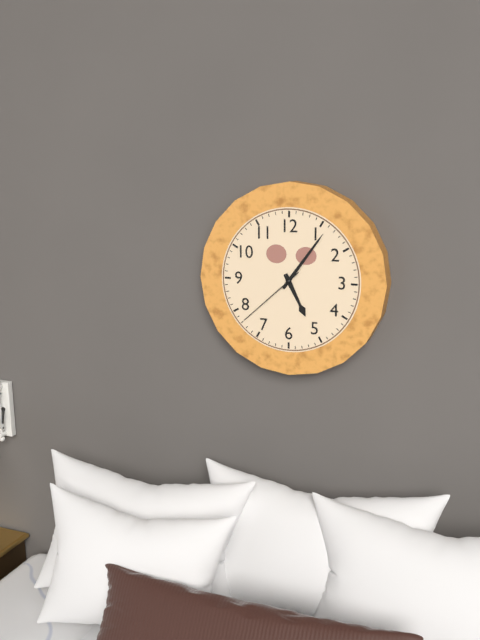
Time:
**5:06:38**
